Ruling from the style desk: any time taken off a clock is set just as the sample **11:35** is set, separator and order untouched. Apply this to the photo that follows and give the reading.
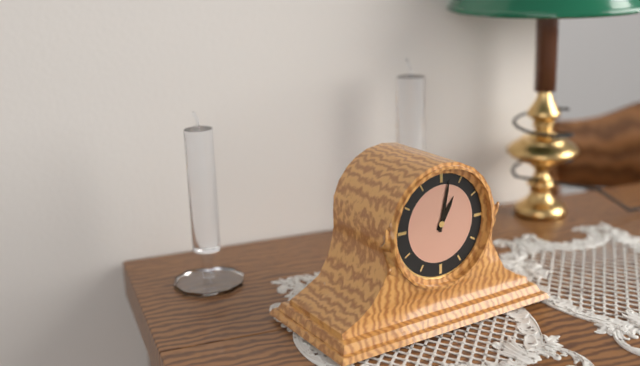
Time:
**1:02**
